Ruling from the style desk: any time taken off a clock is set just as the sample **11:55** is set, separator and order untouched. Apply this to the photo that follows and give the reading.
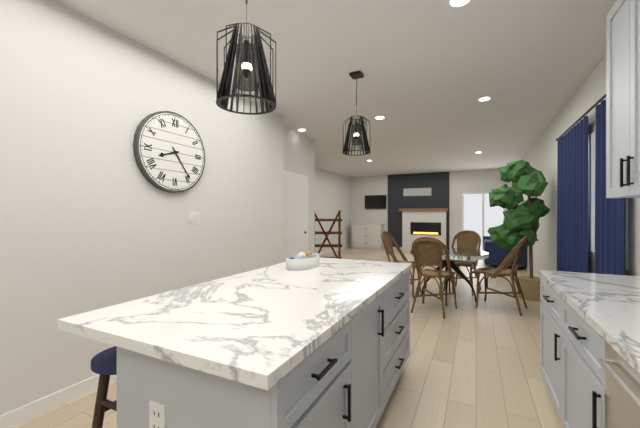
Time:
**8:24**
